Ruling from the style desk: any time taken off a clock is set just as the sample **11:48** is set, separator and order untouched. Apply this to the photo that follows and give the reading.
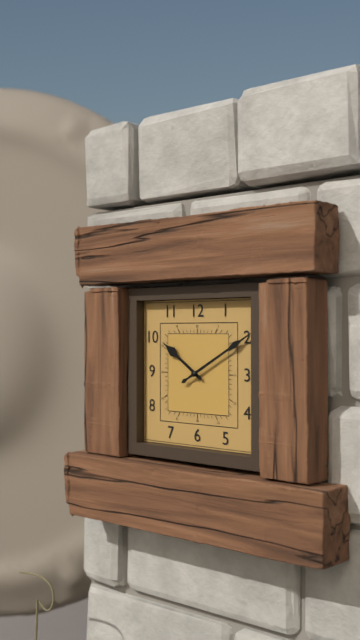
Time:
**10:10**
